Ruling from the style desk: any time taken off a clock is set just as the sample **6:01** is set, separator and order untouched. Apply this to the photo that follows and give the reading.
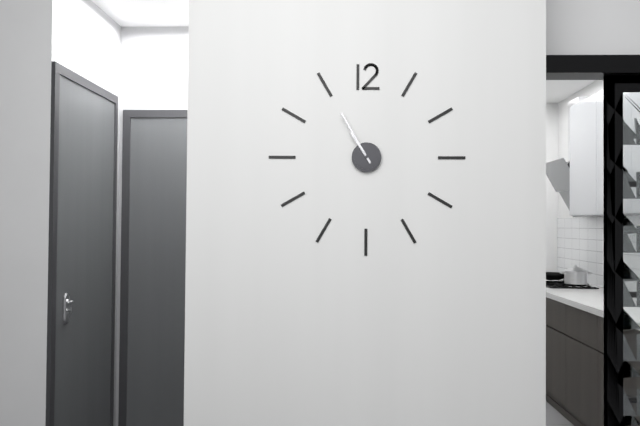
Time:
**10:55**
